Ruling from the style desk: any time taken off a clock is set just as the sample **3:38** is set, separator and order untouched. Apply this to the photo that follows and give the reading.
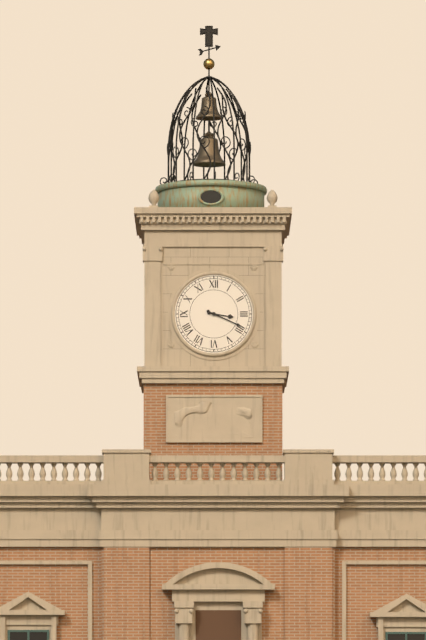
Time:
**3:19**
